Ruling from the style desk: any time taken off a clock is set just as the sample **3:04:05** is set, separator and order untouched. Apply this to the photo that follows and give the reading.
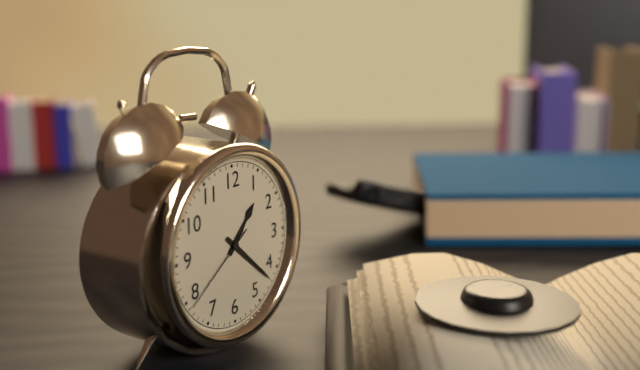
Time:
**1:22:39**
